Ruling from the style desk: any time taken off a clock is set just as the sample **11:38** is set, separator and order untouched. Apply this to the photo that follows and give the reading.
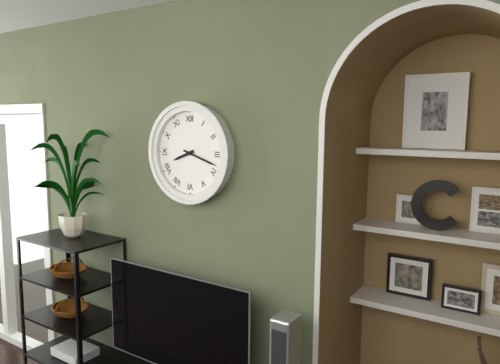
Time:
**8:18**
